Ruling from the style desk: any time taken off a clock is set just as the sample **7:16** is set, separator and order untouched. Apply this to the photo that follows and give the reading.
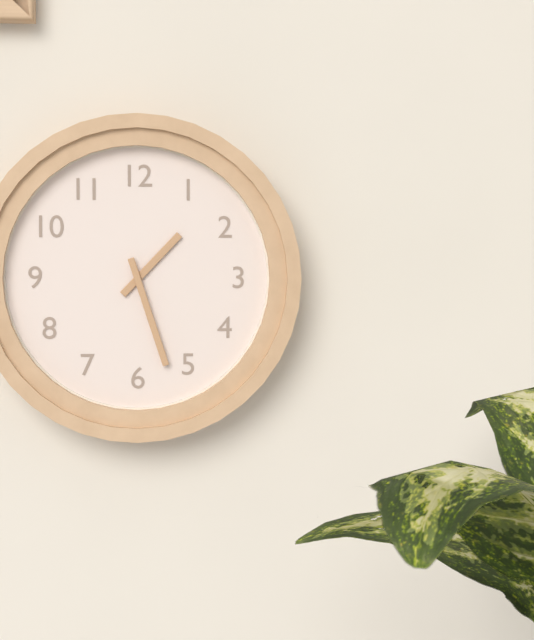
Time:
**1:27**
